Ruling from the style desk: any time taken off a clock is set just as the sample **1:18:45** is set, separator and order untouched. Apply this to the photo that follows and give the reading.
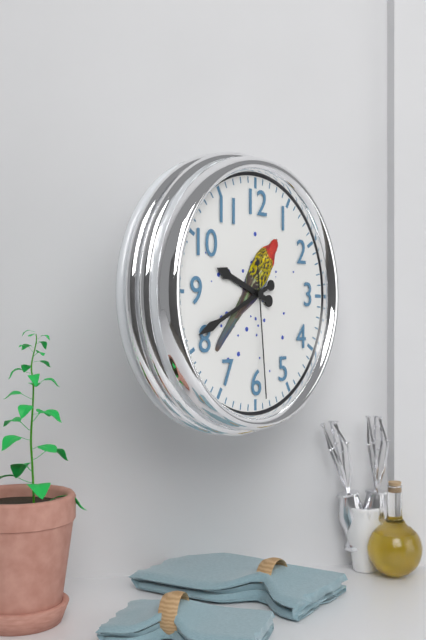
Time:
**9:41:29**
